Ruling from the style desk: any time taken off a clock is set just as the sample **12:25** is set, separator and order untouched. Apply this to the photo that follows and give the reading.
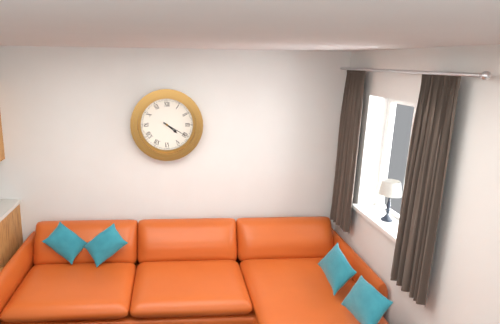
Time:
**4:20**
